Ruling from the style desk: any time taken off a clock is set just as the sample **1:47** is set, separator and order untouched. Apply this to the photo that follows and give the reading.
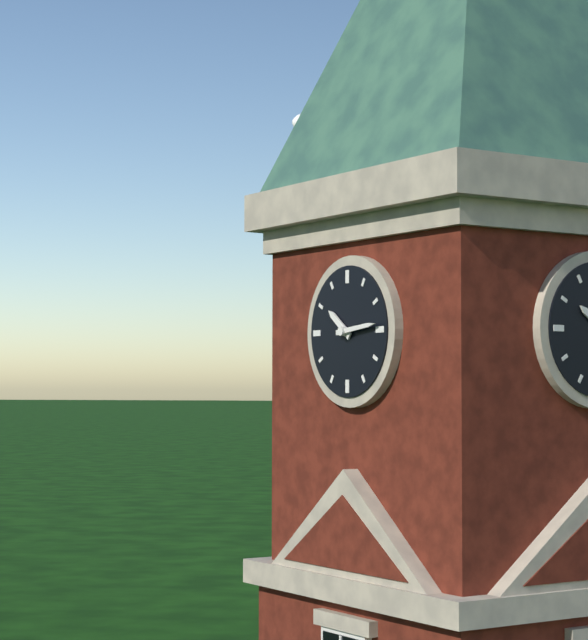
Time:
**10:14**
